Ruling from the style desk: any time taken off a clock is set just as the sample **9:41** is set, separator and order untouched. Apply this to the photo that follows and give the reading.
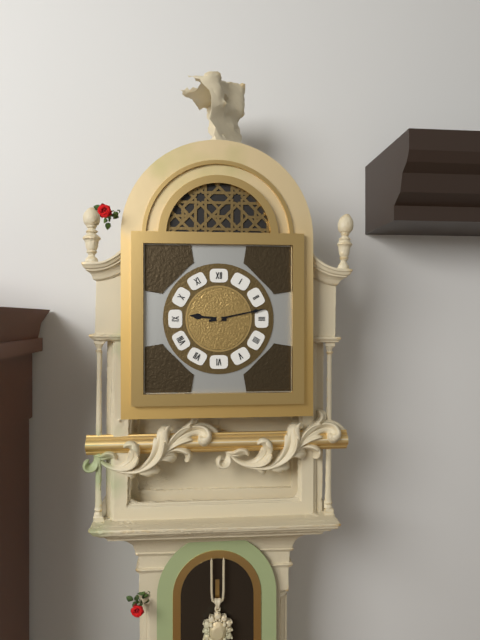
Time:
**9:13**
